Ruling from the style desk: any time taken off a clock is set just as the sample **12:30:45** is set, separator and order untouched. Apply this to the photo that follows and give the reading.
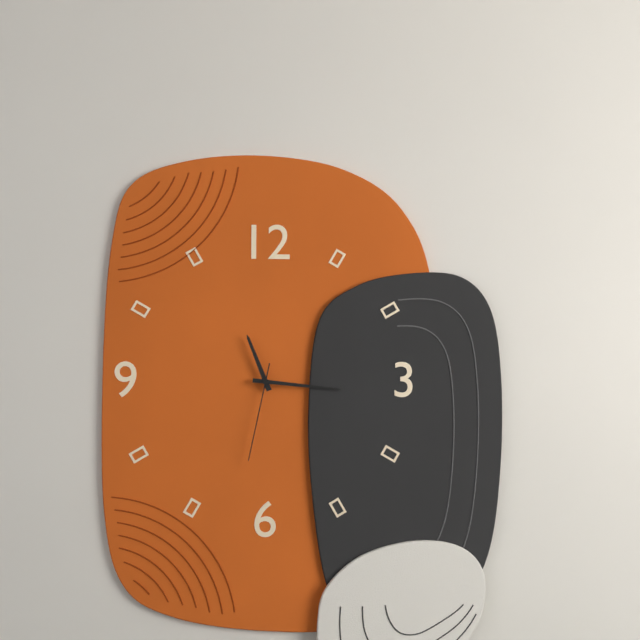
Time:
**11:16:32**
